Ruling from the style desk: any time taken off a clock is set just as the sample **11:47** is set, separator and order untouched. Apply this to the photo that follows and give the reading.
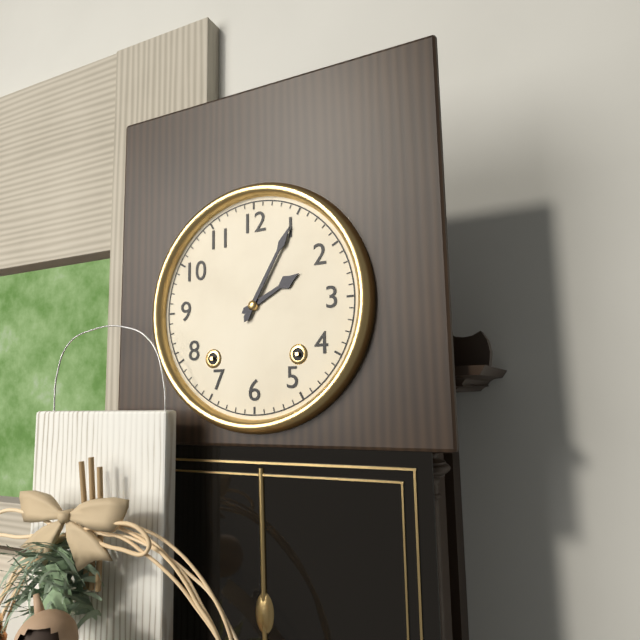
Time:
**2:05**
